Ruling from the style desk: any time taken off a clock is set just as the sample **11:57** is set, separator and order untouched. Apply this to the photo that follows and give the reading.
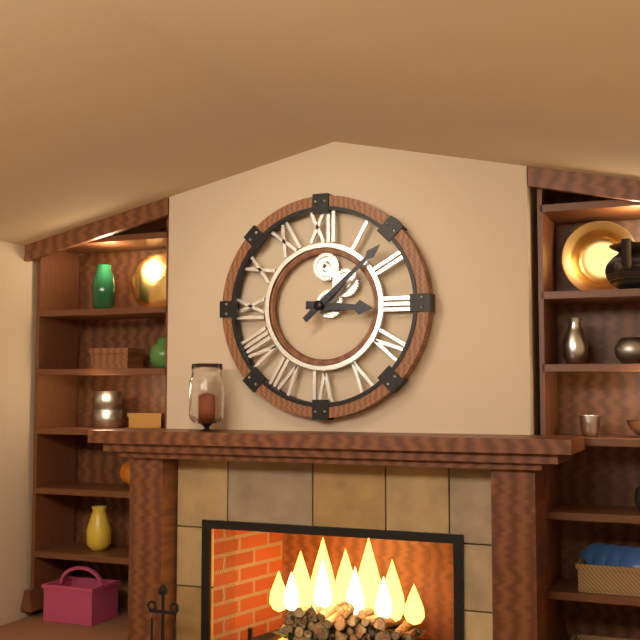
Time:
**3:08**
